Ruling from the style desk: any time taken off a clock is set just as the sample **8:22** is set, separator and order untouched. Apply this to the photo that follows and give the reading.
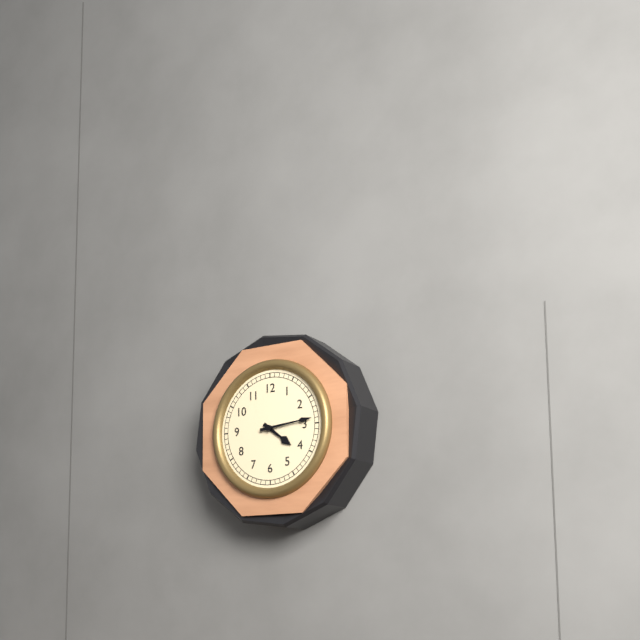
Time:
**4:14**
